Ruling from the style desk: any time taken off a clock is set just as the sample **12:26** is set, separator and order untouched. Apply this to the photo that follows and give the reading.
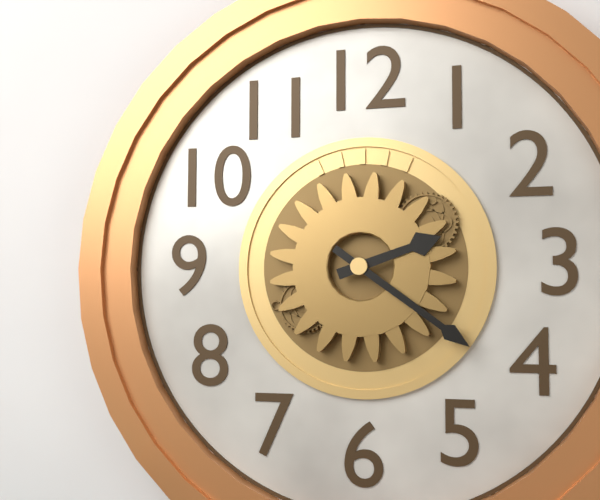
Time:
**2:21**
